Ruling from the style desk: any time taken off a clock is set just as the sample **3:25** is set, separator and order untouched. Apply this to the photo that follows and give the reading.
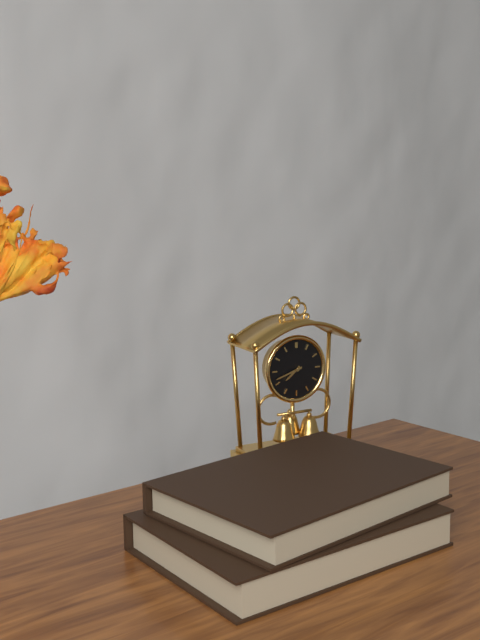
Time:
**7:42**
